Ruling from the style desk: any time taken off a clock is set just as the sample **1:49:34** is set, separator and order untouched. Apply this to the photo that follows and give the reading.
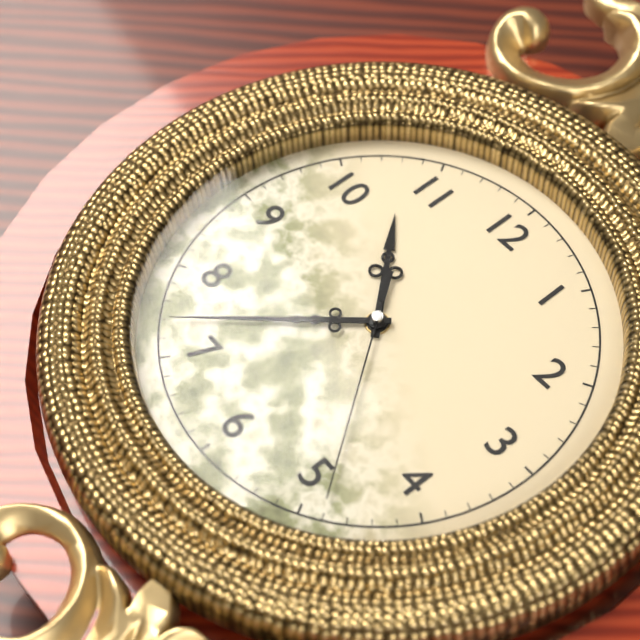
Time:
**10:37:24**
